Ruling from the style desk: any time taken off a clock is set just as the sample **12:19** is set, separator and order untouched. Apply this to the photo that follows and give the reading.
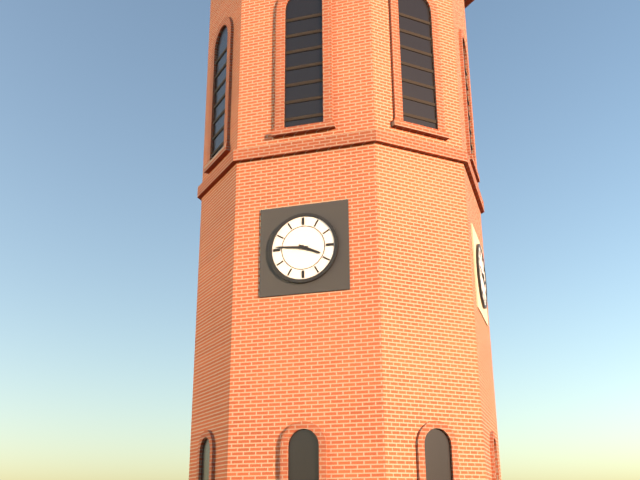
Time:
**3:46**
